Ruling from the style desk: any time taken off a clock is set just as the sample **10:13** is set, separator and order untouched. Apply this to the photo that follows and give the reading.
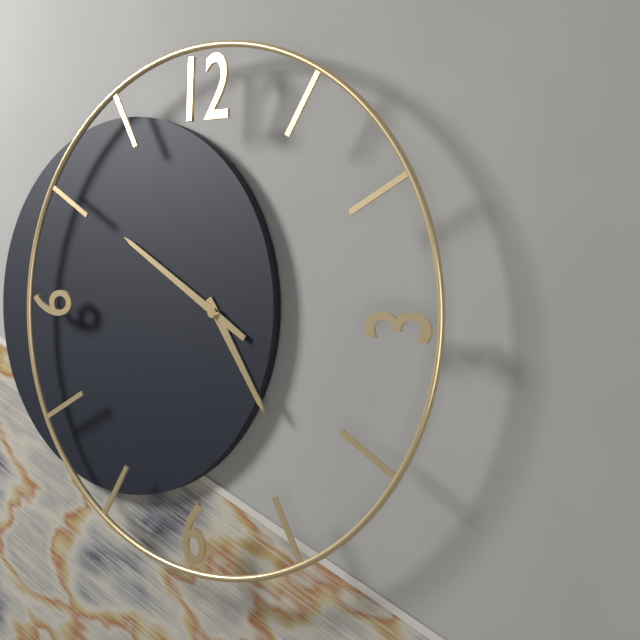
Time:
**4:50**
